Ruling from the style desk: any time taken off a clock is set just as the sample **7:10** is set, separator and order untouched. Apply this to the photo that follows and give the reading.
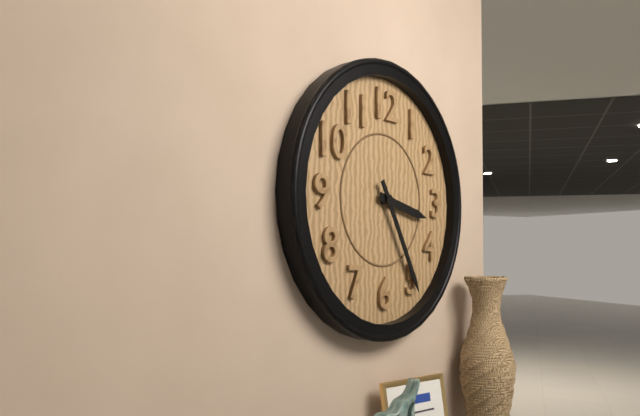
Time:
**3:25**
